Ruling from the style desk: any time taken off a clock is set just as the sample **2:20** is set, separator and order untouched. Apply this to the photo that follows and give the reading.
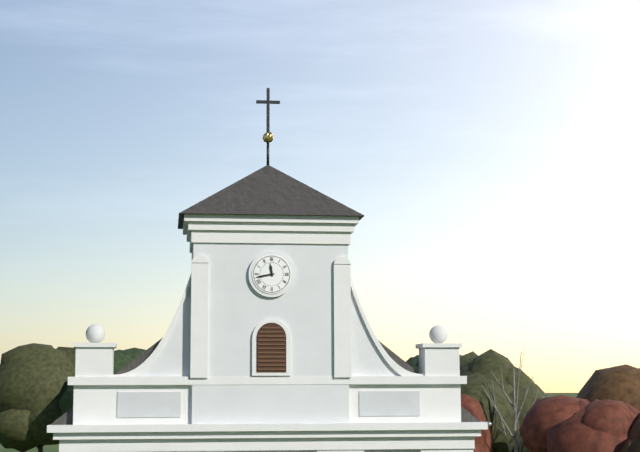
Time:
**11:43**
